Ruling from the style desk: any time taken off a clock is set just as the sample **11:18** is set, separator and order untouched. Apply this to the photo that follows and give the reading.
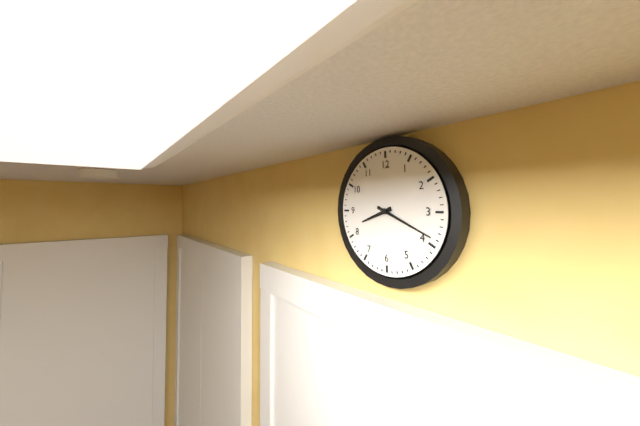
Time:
**8:19**
